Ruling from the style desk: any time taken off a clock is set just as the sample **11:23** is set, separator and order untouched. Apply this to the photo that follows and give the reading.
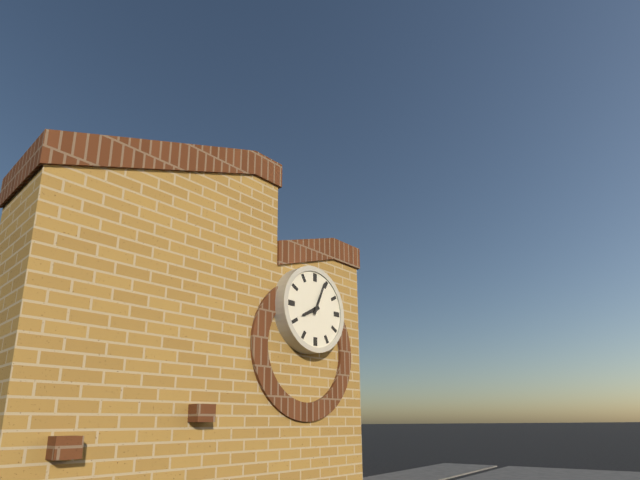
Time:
**8:04**
